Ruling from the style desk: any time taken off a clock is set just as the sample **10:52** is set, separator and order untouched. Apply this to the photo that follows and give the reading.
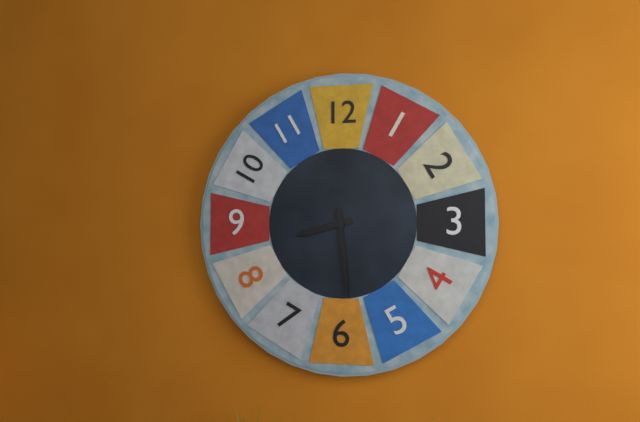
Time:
**8:29**
